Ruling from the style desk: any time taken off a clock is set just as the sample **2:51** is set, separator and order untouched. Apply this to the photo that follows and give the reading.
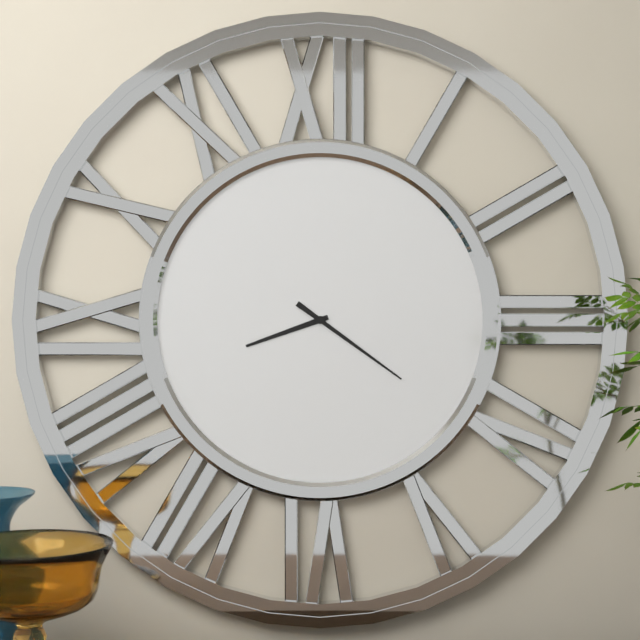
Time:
**8:21**
